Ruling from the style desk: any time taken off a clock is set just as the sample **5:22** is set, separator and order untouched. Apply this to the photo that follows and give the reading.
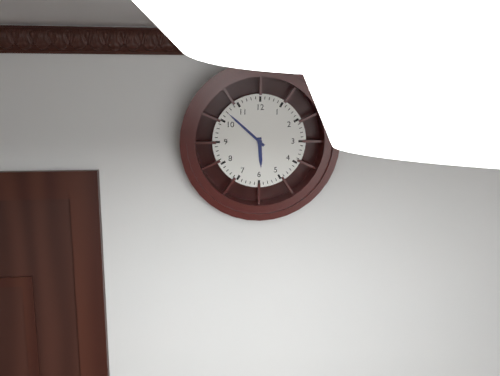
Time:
**5:52**
